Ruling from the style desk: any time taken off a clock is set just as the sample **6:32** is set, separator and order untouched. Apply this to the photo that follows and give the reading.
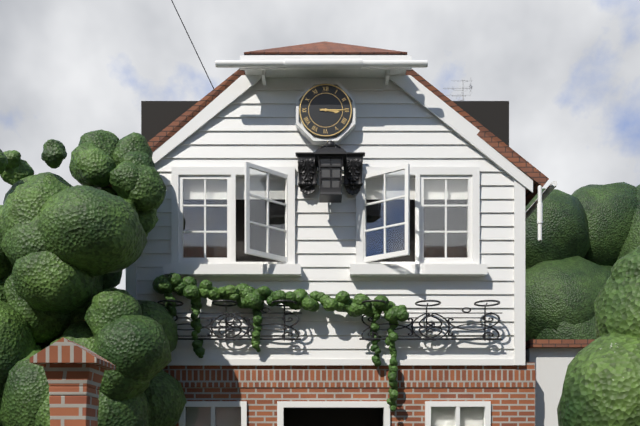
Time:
**3:15**
